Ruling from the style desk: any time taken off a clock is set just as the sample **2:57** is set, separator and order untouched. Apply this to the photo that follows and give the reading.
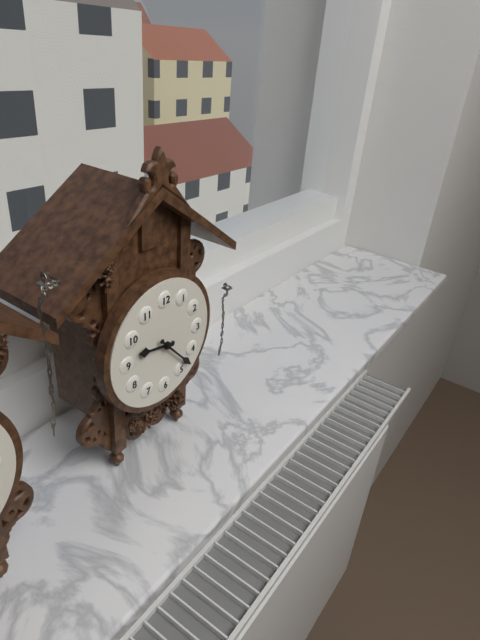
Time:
**9:23**
